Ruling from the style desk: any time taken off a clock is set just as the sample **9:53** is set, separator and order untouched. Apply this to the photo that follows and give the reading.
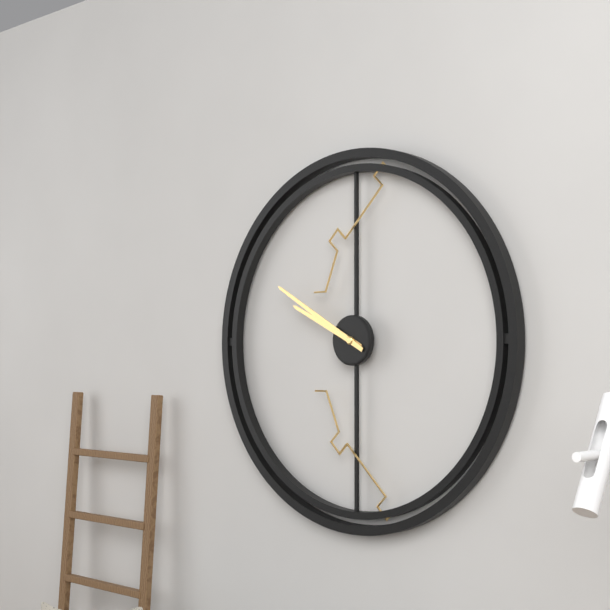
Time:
**9:50**
